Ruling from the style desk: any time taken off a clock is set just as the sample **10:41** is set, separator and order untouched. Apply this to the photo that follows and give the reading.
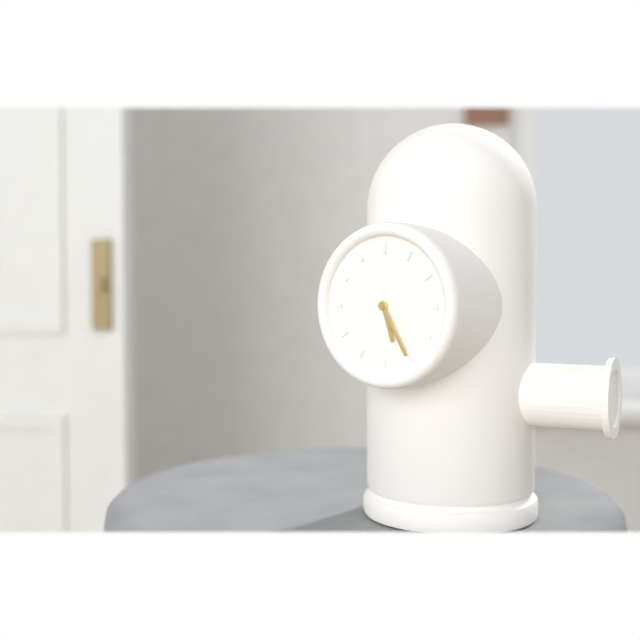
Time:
**5:25**
